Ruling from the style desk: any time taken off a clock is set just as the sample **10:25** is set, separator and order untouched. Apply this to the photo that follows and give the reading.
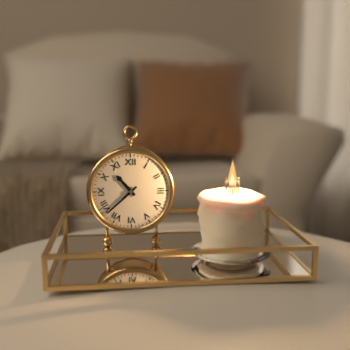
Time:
**10:38**
